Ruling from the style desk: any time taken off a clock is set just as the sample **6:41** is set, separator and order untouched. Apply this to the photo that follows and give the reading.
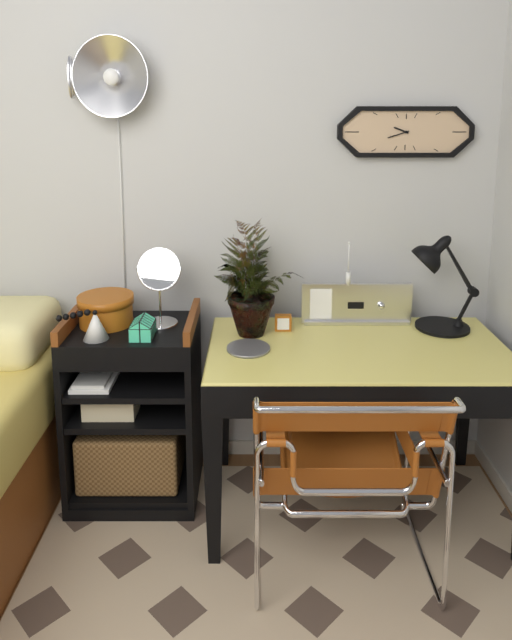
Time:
**9:42**
